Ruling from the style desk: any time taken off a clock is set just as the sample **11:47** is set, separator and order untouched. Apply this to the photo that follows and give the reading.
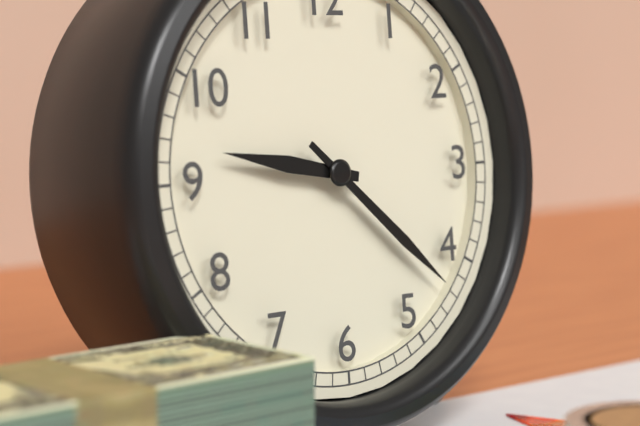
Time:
**9:22**
